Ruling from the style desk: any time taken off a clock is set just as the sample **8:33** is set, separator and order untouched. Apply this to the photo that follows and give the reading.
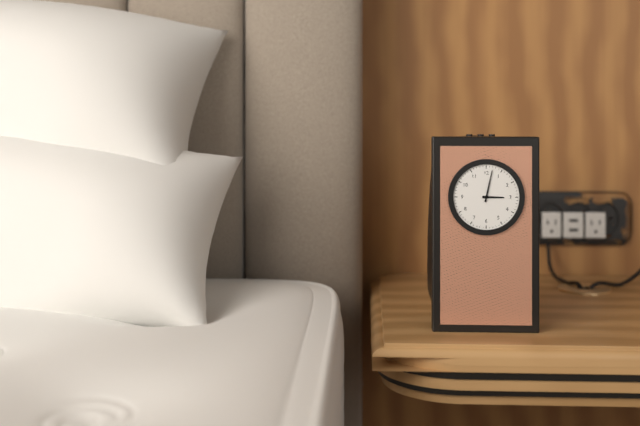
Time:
**3:02**
